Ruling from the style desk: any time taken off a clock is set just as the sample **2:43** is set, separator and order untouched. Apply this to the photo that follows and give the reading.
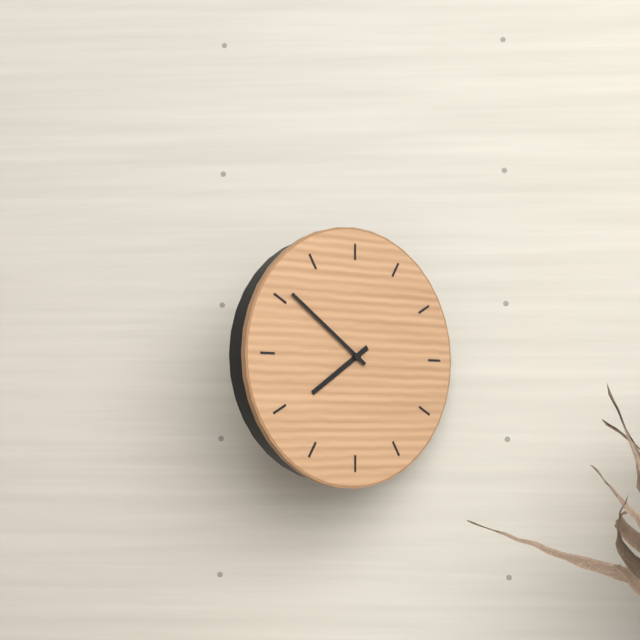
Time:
**7:51**
